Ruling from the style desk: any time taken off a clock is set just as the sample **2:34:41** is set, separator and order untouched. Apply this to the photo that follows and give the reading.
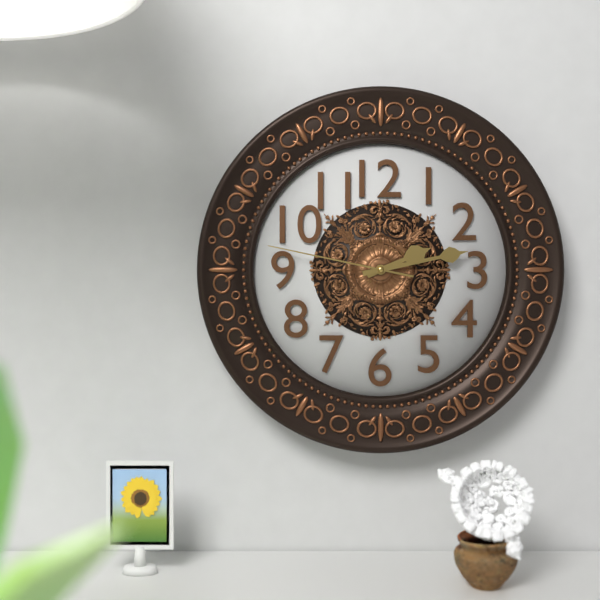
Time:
**2:13:47**
